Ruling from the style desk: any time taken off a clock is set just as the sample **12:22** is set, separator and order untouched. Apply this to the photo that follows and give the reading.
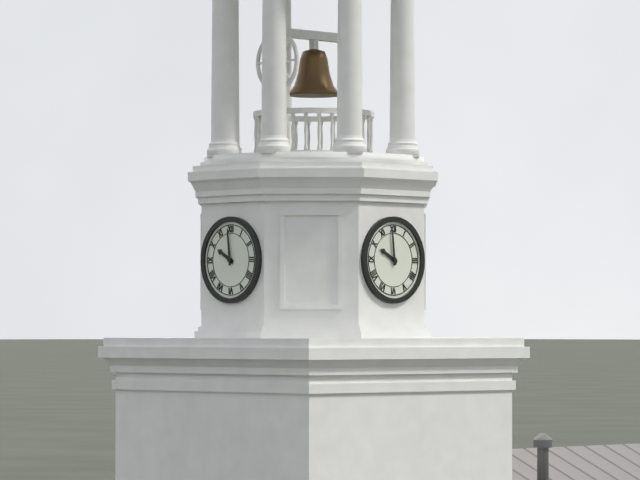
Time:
**9:59**
